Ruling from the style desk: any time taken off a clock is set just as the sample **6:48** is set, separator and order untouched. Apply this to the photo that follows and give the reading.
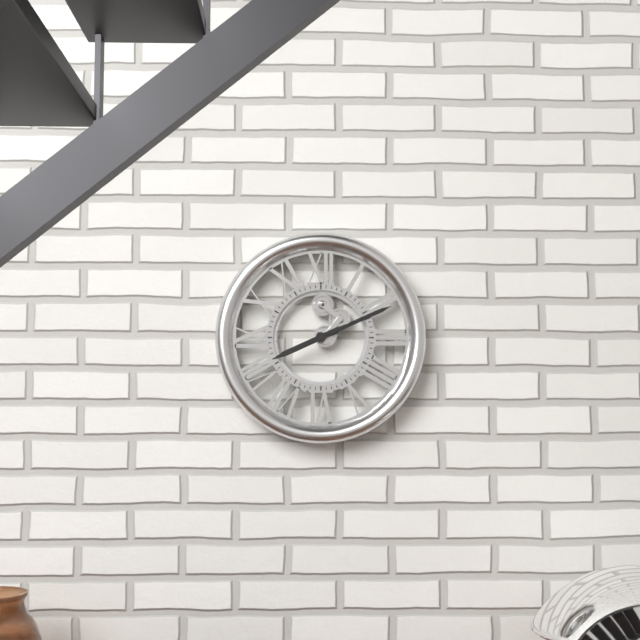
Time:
**8:11**
